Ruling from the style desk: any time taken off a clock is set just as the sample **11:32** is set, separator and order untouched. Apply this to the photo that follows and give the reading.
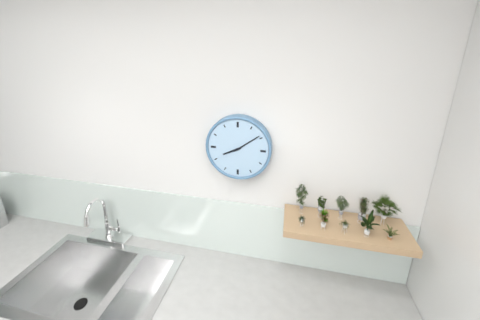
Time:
**8:09**
